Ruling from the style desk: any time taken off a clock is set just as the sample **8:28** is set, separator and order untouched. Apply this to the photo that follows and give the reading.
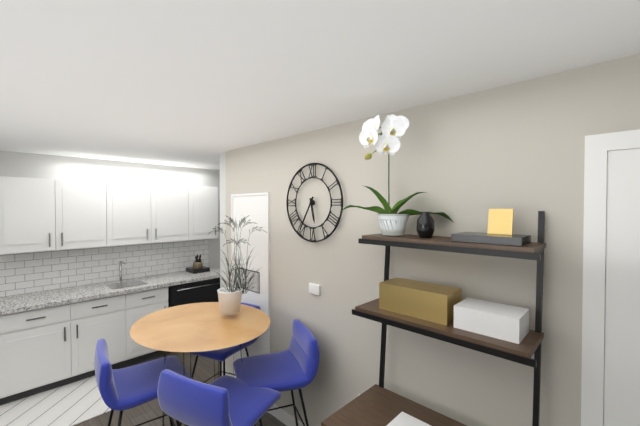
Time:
**5:35**
